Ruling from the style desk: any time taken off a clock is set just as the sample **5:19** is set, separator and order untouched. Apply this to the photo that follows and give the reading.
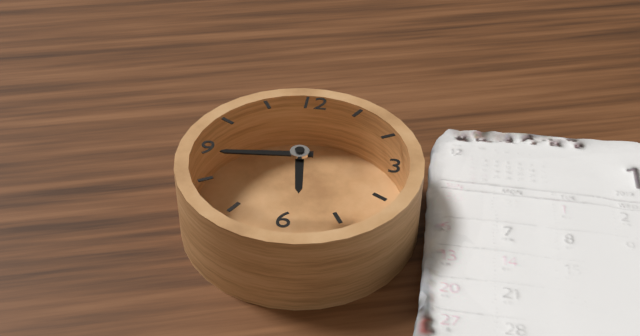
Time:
**5:44**
